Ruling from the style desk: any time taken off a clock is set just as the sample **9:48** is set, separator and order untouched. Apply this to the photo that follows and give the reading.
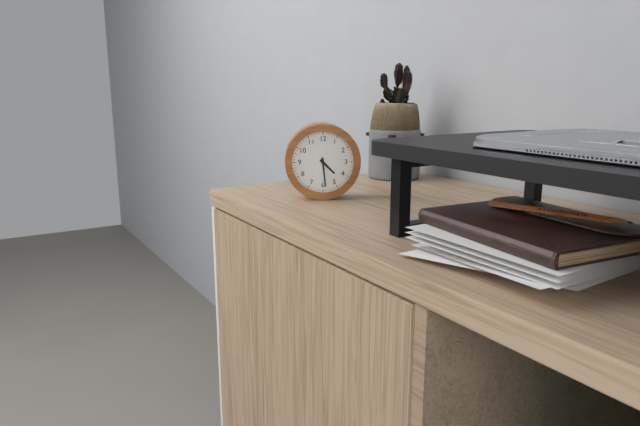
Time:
**4:29**
